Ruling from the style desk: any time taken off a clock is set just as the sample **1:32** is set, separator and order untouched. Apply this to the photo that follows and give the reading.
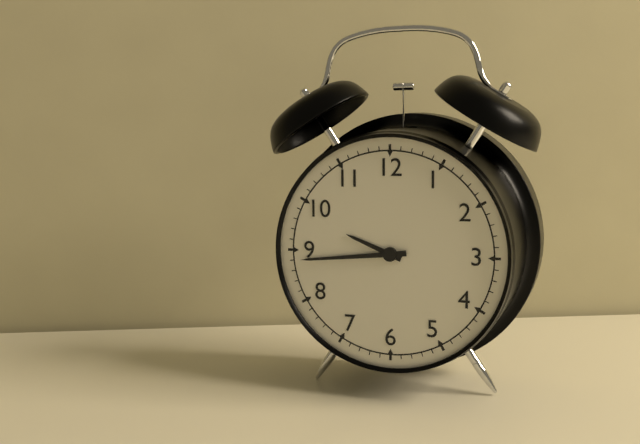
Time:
**9:44**
